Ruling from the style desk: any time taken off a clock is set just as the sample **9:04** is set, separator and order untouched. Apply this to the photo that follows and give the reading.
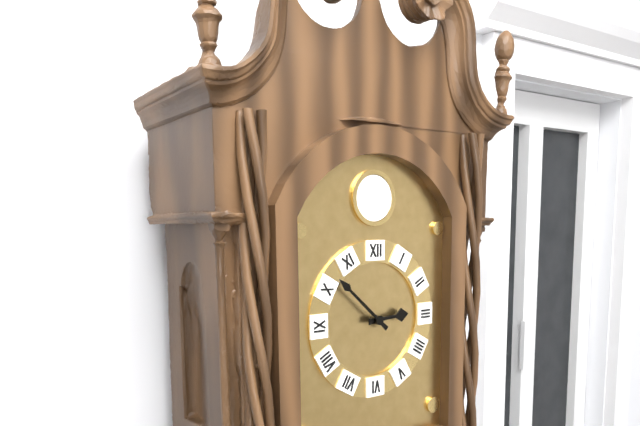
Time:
**2:52**
